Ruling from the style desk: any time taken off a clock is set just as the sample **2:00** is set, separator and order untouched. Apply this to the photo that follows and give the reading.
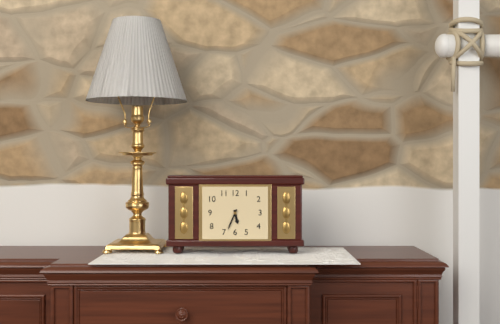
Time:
**5:34**
